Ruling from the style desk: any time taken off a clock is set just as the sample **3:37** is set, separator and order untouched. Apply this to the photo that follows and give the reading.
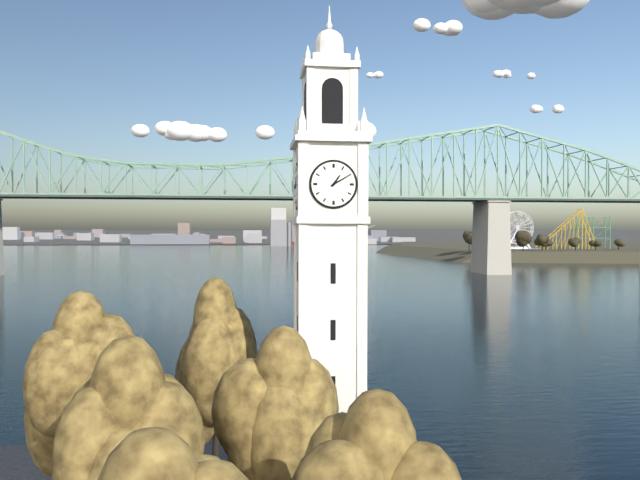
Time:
**1:10**
